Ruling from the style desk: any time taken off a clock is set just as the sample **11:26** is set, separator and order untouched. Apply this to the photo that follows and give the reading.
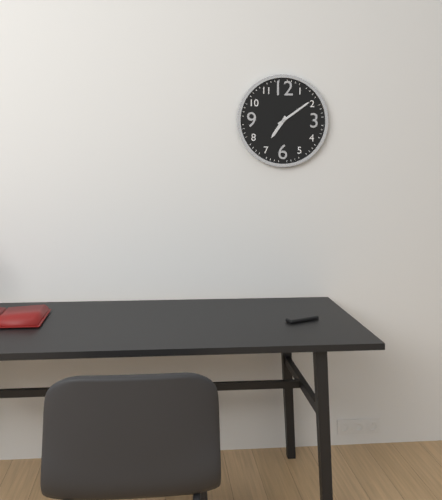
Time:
**7:09**
